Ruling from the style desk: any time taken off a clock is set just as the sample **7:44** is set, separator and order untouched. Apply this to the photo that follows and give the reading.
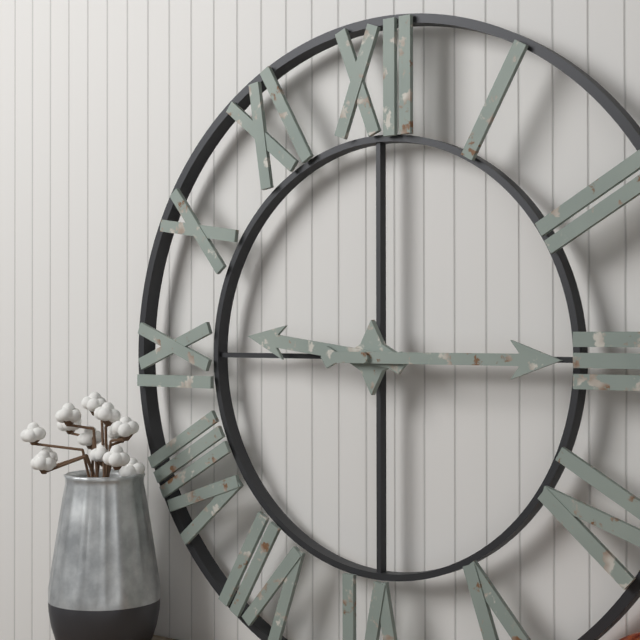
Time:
**9:15**
